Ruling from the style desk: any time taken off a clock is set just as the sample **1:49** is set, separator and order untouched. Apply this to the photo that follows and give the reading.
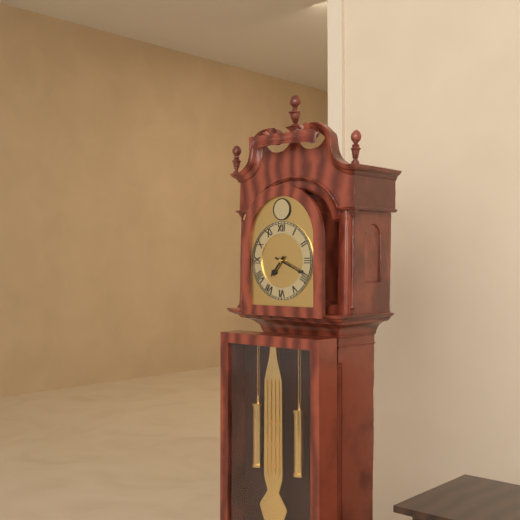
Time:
**7:19**
